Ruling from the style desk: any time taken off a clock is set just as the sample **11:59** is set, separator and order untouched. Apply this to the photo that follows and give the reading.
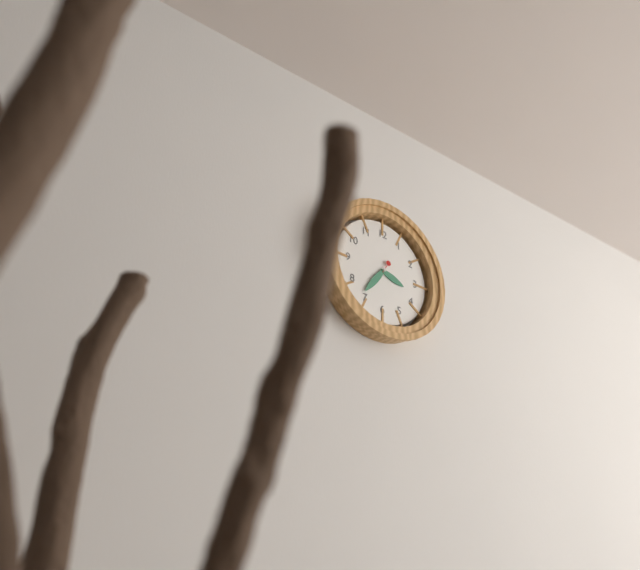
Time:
**3:36**
